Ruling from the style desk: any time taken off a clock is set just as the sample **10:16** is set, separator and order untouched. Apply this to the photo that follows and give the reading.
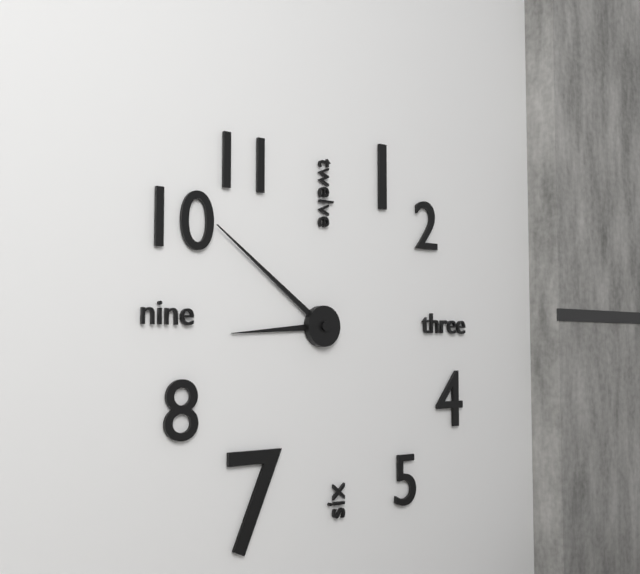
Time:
**8:51**
